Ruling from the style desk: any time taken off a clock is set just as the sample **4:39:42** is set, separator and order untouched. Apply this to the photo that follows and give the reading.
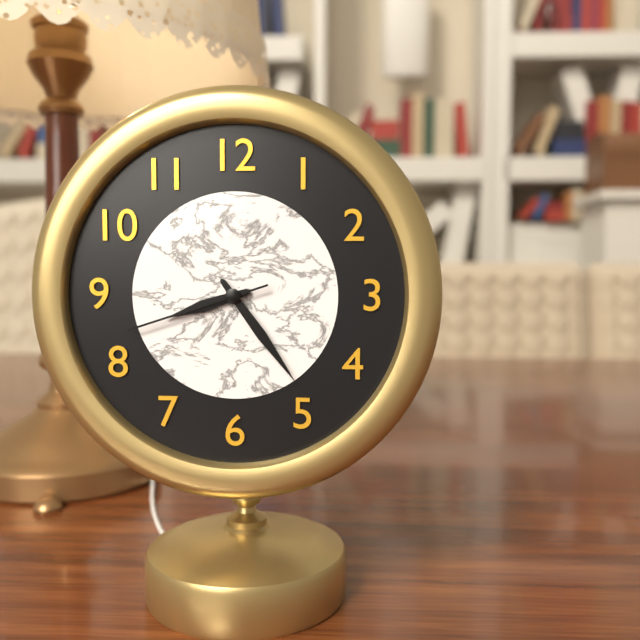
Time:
**8:24:42**
